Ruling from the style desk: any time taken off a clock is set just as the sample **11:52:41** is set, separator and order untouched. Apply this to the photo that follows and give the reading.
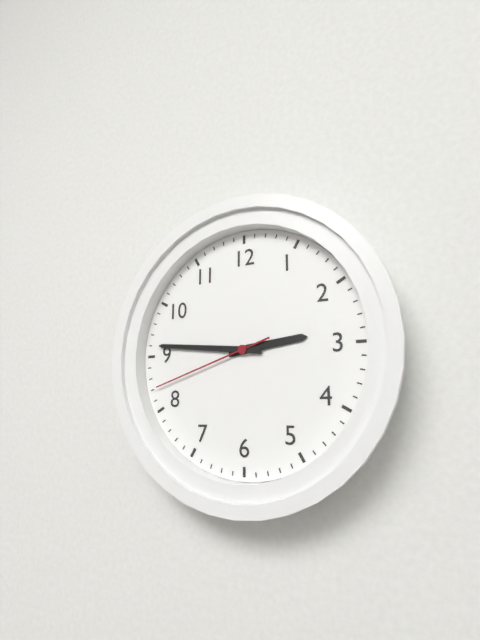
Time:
**2:46:42**
